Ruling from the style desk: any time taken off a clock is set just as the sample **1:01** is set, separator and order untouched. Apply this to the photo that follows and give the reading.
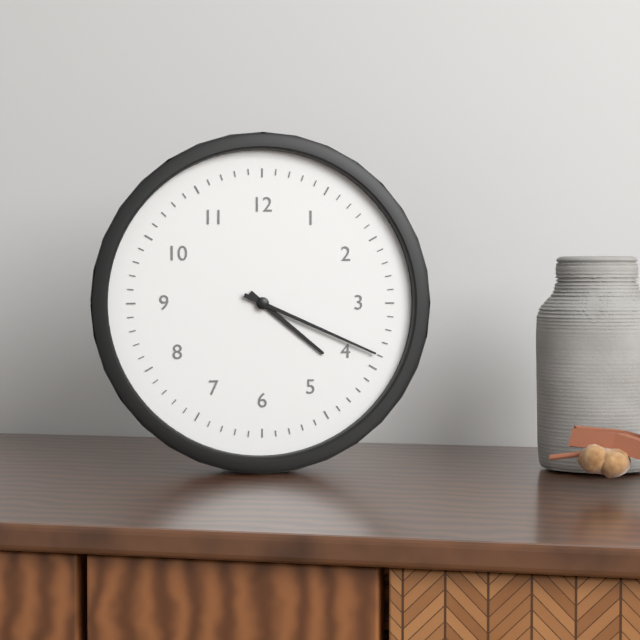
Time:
**4:19**
